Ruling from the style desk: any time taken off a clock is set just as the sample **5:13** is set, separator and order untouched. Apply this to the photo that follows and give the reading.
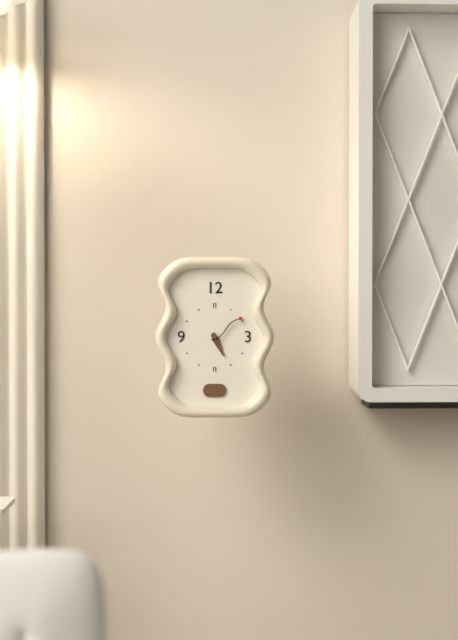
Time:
**5:09**
